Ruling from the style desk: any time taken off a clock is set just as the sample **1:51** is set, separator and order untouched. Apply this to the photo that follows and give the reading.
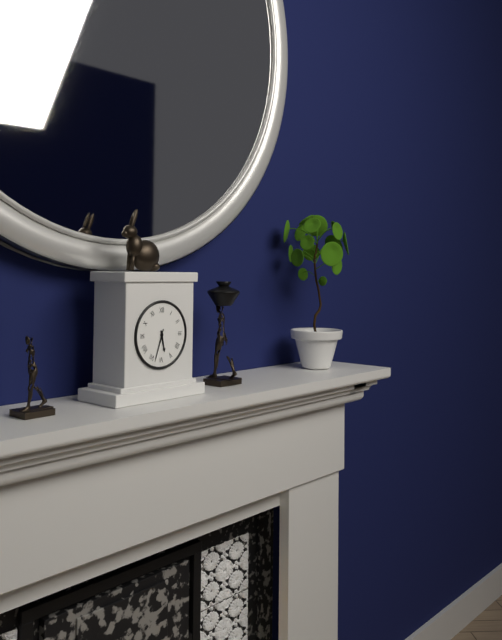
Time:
**5:33**
